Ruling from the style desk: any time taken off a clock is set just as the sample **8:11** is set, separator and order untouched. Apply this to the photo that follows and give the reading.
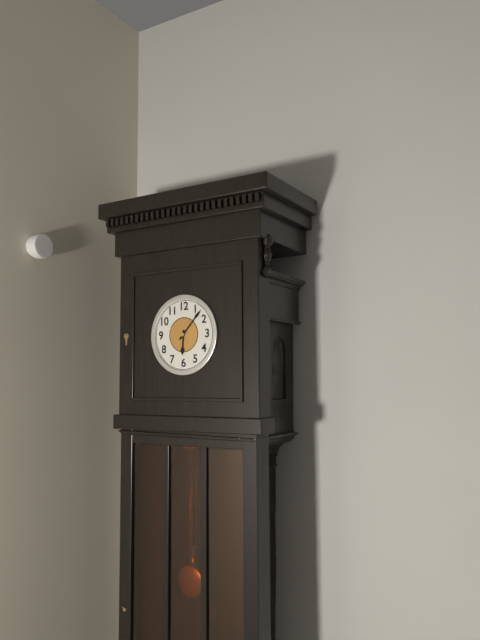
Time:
**6:07**
